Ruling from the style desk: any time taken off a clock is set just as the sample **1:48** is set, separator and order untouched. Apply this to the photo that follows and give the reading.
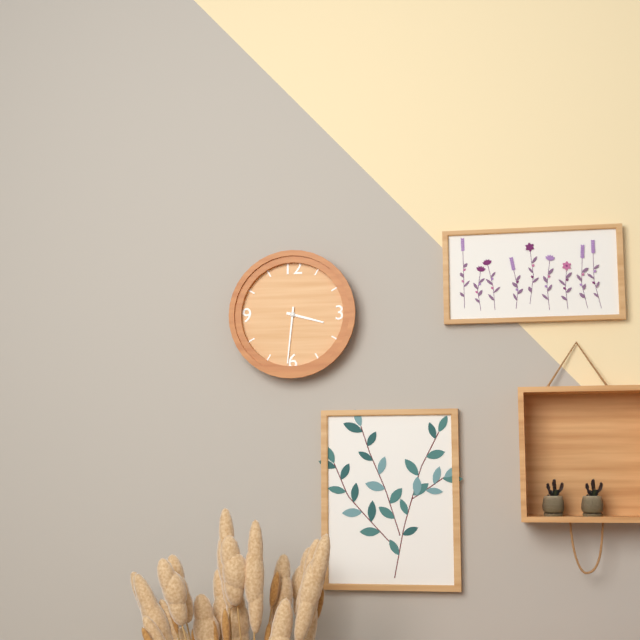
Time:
**3:31**
